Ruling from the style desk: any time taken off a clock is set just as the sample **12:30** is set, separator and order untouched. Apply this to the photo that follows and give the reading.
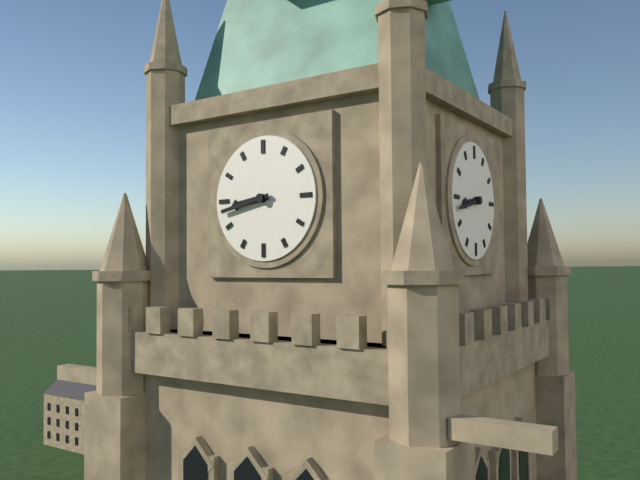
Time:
**8:43**
